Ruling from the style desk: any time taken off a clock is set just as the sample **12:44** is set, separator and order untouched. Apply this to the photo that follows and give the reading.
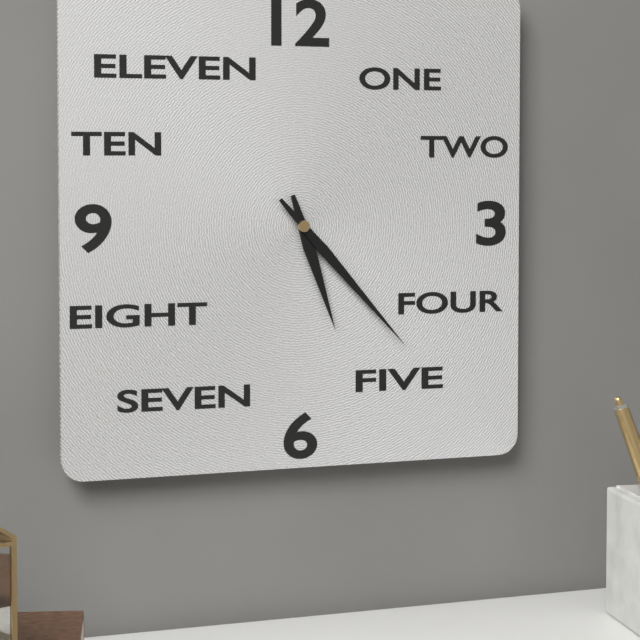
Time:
**5:23**
